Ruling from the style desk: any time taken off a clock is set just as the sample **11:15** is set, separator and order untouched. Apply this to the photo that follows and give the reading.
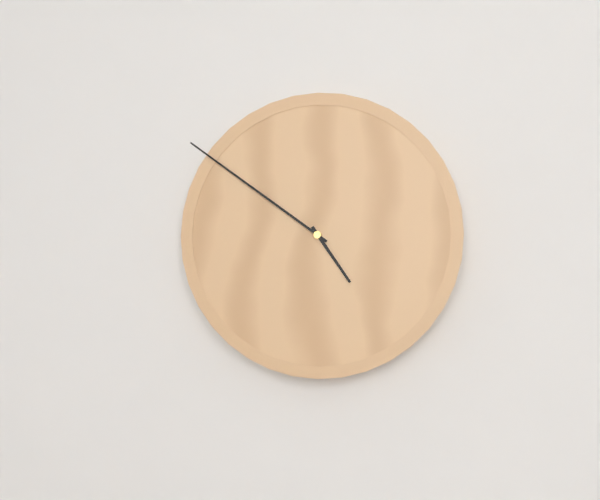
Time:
**4:51**
